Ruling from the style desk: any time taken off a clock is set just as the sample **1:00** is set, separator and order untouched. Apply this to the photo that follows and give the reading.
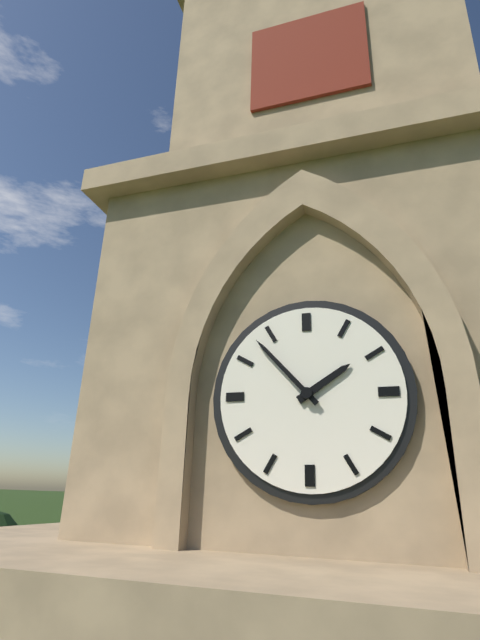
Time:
**1:53**
